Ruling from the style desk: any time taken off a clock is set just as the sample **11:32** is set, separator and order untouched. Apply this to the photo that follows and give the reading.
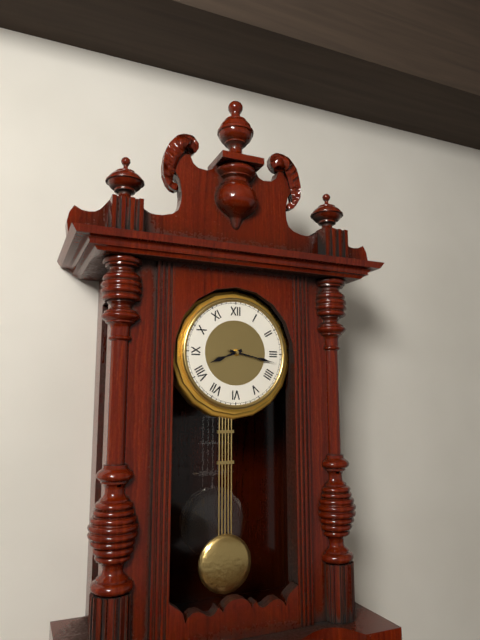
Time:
**8:17**
